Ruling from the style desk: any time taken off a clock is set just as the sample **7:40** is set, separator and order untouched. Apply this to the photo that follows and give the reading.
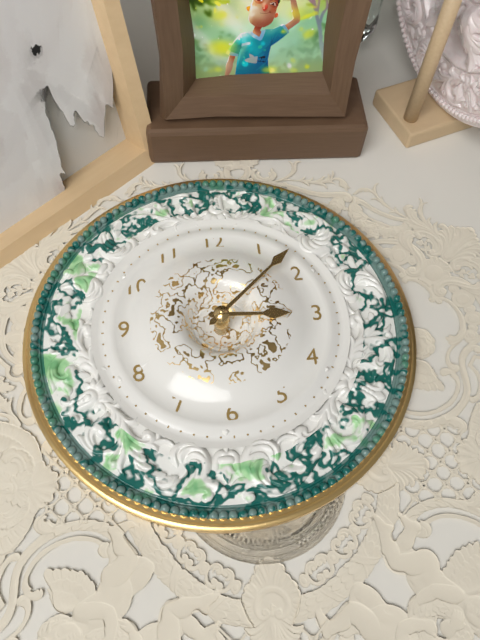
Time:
**3:08**
